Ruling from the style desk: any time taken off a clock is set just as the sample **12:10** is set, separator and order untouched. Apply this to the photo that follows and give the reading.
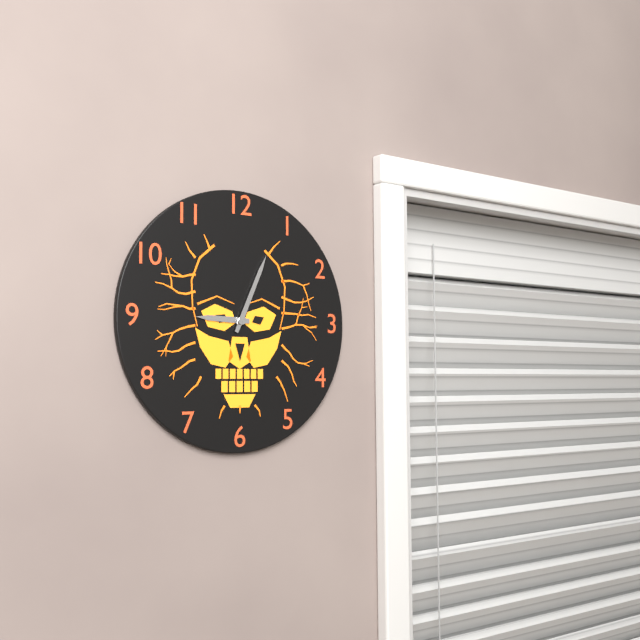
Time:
**9:04**
